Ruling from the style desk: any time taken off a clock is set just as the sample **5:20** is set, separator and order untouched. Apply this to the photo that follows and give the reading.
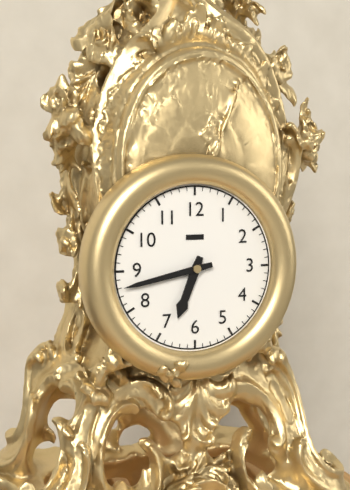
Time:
**6:43**
